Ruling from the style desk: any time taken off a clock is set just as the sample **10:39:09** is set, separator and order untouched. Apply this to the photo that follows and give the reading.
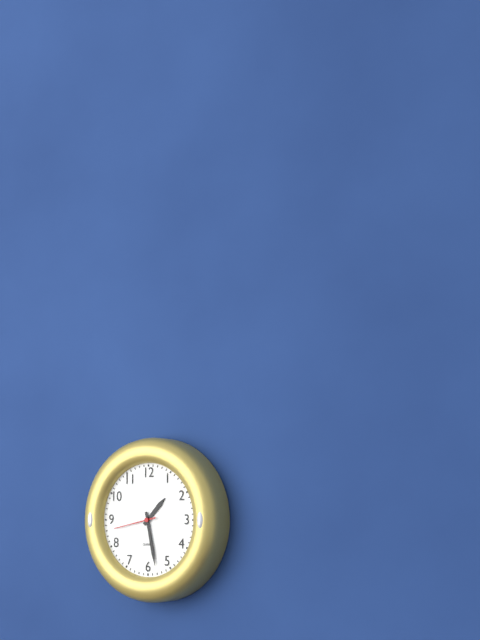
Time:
**1:28:43**
